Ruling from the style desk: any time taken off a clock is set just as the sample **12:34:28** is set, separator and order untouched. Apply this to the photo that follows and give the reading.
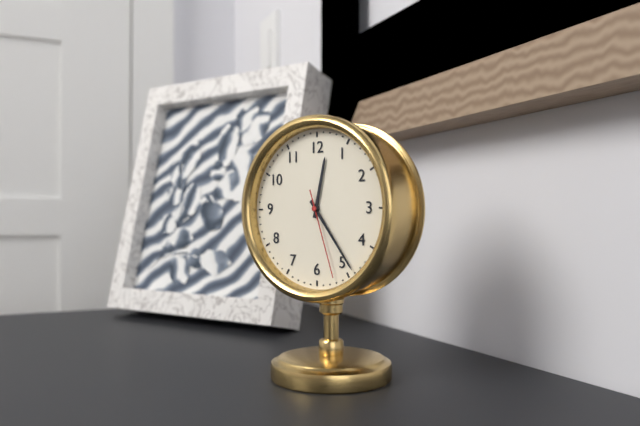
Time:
**12:24:27**
